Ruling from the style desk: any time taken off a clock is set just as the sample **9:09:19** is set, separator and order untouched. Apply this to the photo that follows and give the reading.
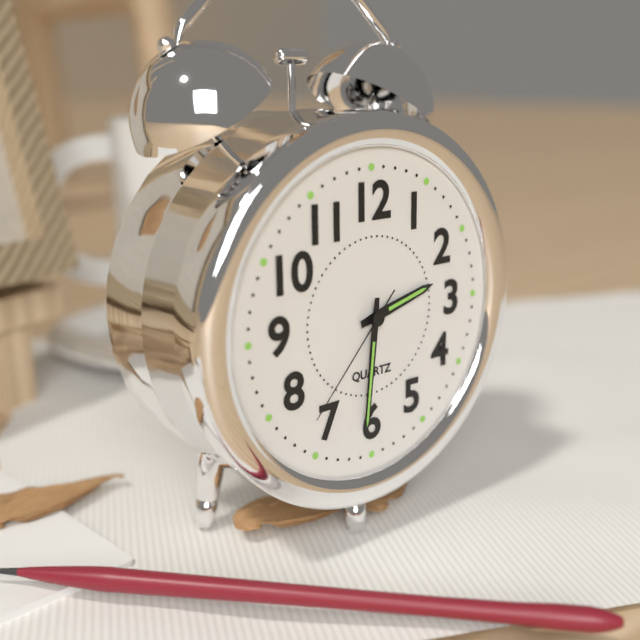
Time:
**2:31:37**
